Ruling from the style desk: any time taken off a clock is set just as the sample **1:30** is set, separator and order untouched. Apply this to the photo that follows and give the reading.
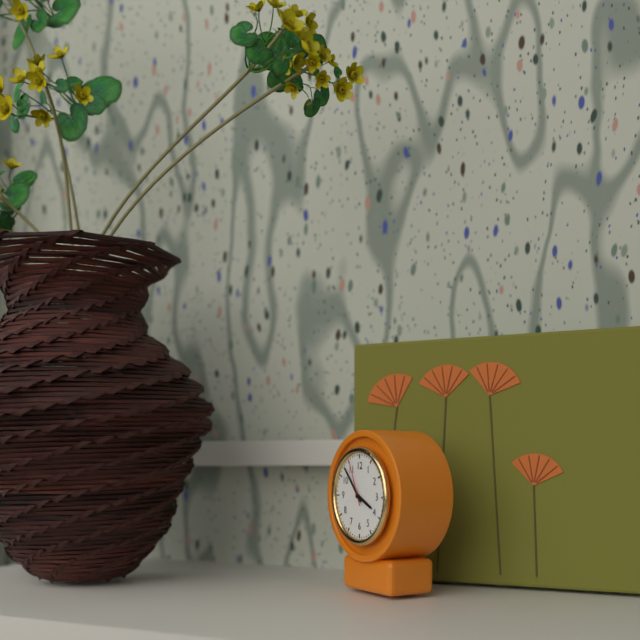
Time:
**3:53**
